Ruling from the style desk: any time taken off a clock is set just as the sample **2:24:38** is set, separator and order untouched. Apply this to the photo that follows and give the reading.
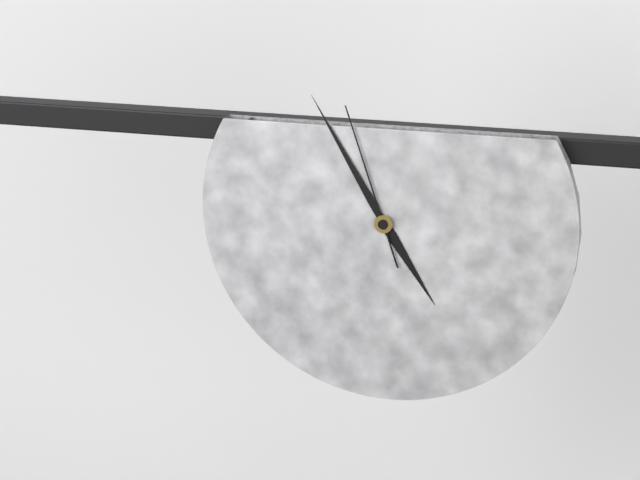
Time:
**4:55:57**
